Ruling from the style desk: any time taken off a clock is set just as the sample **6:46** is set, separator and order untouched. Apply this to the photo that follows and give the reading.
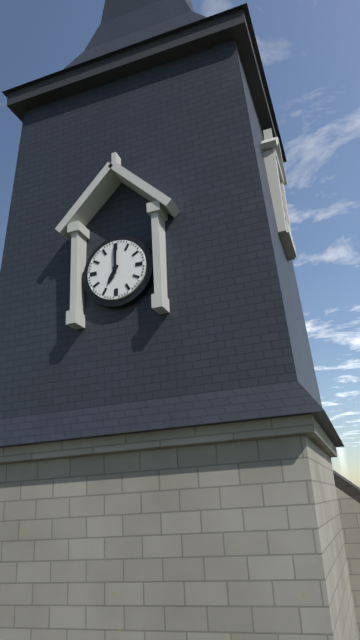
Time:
**7:00**
